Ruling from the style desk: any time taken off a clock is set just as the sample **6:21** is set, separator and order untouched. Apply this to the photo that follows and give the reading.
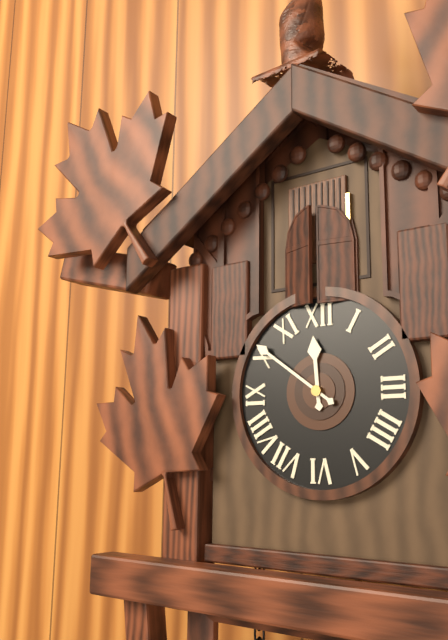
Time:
**11:51**
